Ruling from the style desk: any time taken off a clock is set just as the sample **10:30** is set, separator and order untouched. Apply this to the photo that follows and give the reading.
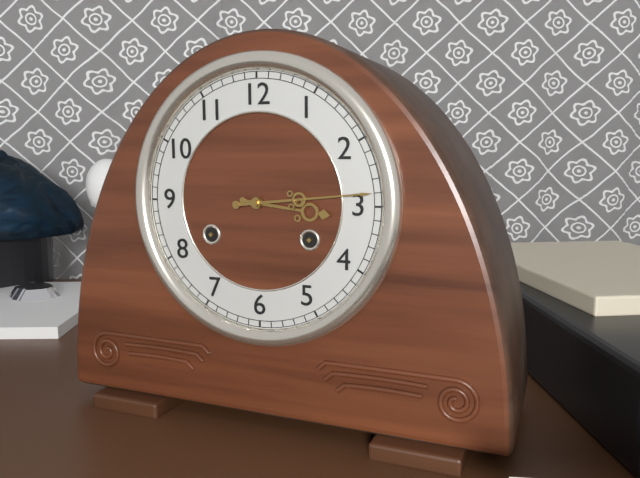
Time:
**3:14**
